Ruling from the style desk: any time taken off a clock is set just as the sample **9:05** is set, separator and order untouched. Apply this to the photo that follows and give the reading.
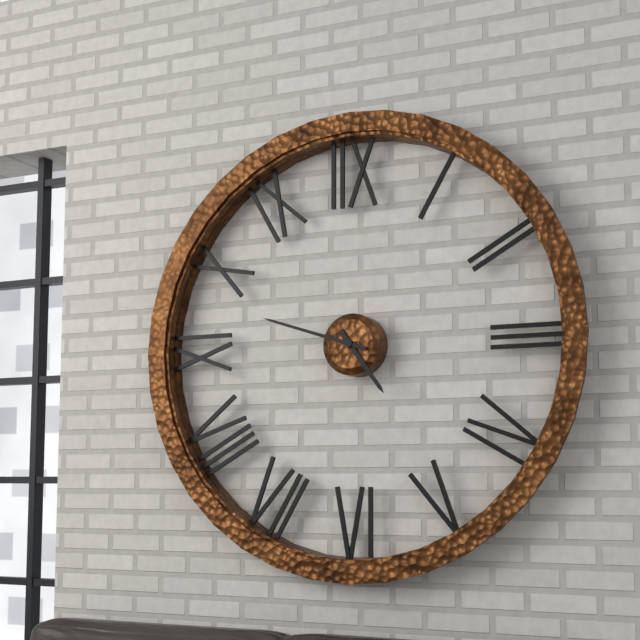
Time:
**4:48**
